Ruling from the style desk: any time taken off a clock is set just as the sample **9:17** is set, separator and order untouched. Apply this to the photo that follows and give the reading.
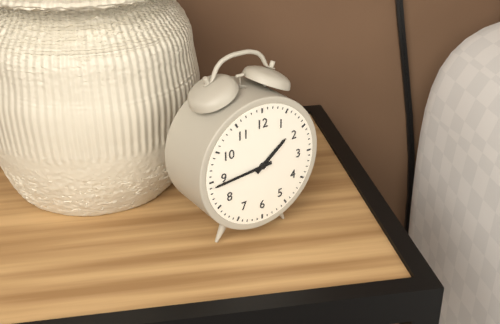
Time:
**1:44**
